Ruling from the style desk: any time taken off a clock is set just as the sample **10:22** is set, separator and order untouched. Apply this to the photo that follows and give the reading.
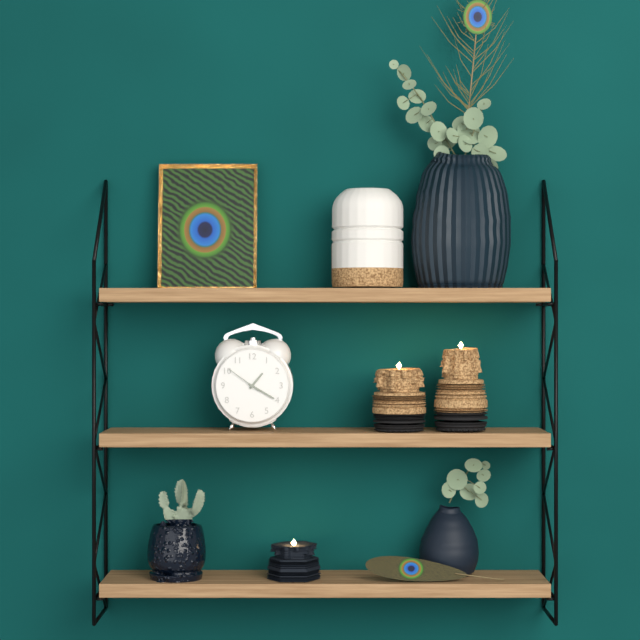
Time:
**1:20**
